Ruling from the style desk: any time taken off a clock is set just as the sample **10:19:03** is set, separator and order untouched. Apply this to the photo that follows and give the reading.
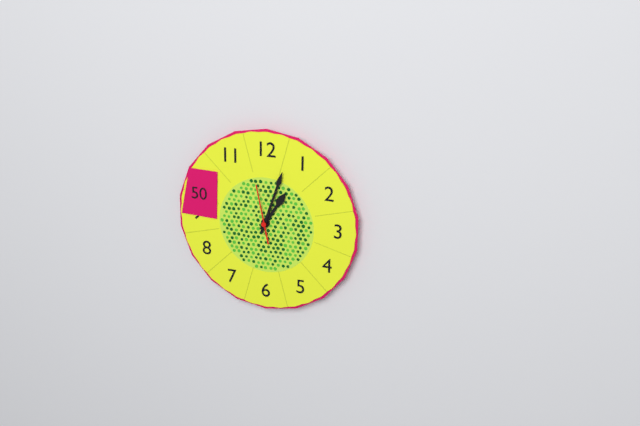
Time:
**1:03:58**
